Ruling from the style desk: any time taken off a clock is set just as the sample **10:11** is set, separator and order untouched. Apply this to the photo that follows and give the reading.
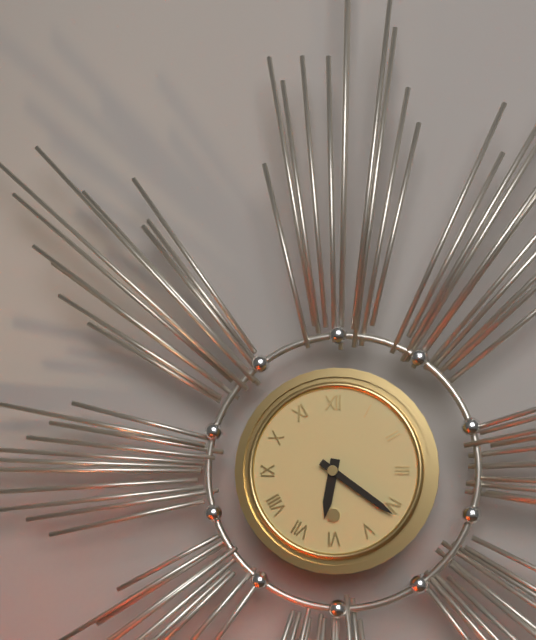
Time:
**6:21**
